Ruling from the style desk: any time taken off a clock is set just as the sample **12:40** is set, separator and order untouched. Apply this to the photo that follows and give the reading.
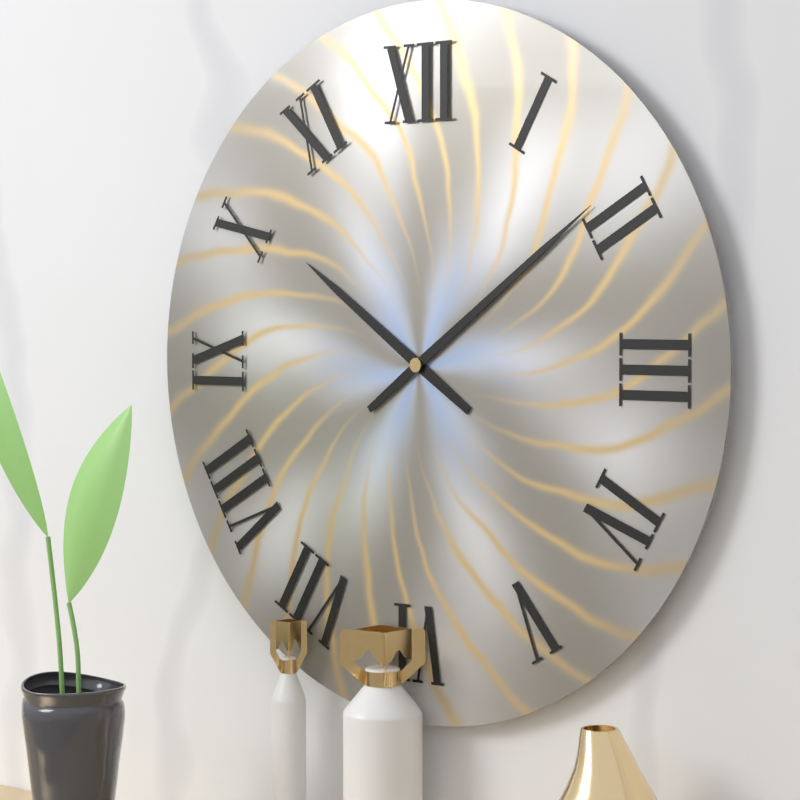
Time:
**10:09**
